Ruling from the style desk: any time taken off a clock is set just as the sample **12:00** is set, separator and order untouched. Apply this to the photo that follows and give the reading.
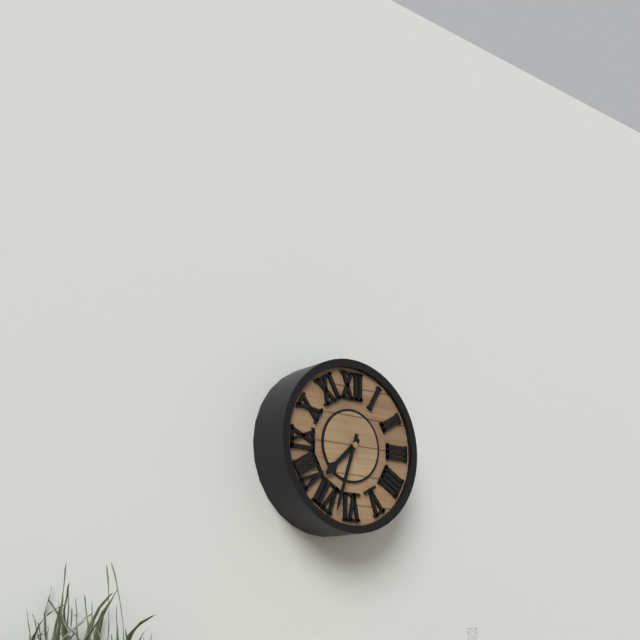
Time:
**7:33**
